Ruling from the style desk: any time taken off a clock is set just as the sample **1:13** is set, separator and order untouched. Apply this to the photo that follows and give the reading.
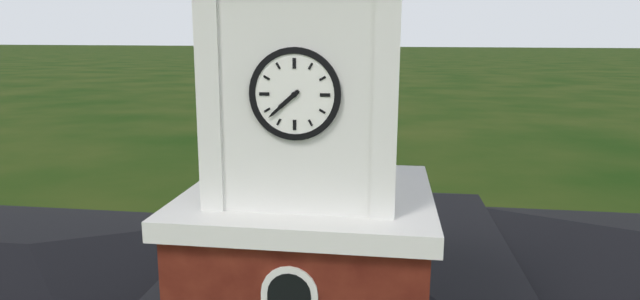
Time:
**7:38**
